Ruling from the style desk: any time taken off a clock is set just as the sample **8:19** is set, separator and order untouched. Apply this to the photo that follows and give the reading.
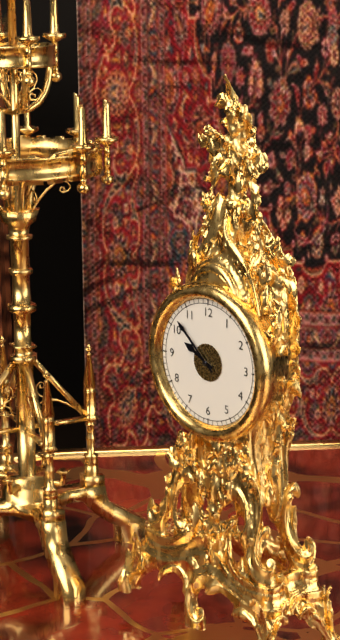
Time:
**9:52**
